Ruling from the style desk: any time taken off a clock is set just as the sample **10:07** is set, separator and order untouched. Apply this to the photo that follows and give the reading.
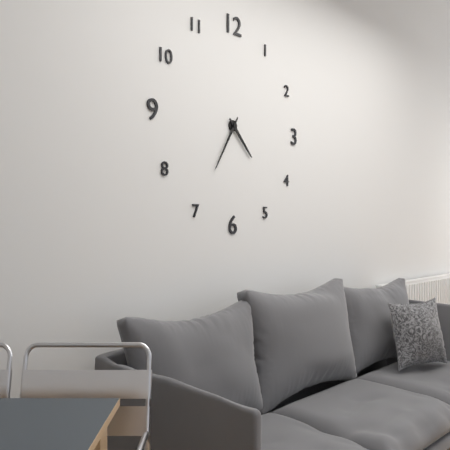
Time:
**4:35**
